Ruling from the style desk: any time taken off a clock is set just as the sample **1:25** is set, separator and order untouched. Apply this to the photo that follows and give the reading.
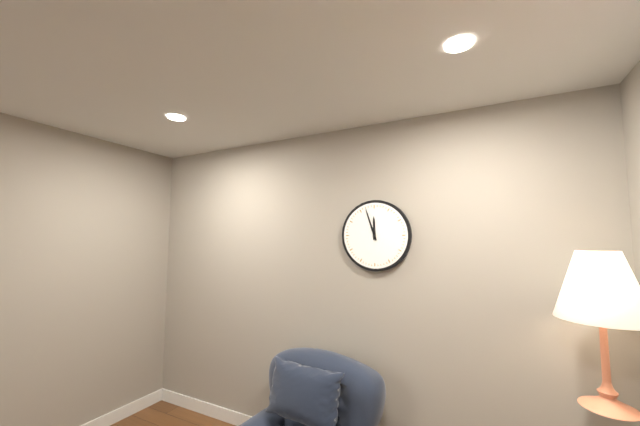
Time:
**11:57**
